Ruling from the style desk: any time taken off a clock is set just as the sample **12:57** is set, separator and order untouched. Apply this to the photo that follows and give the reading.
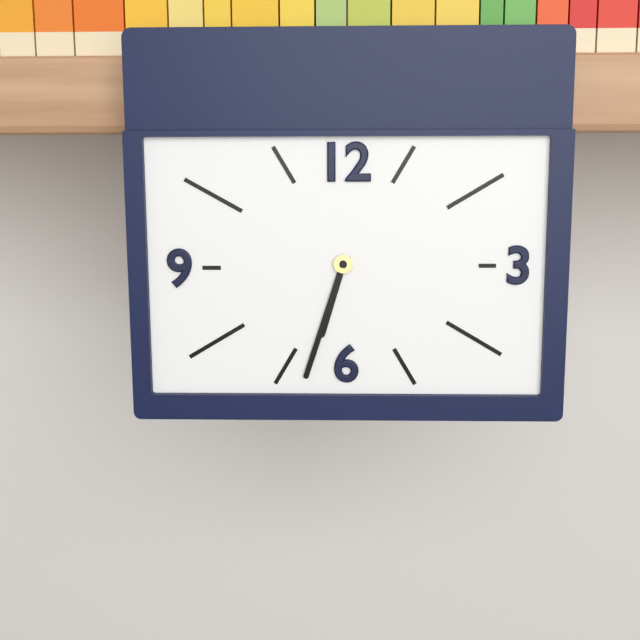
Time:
**6:33**
